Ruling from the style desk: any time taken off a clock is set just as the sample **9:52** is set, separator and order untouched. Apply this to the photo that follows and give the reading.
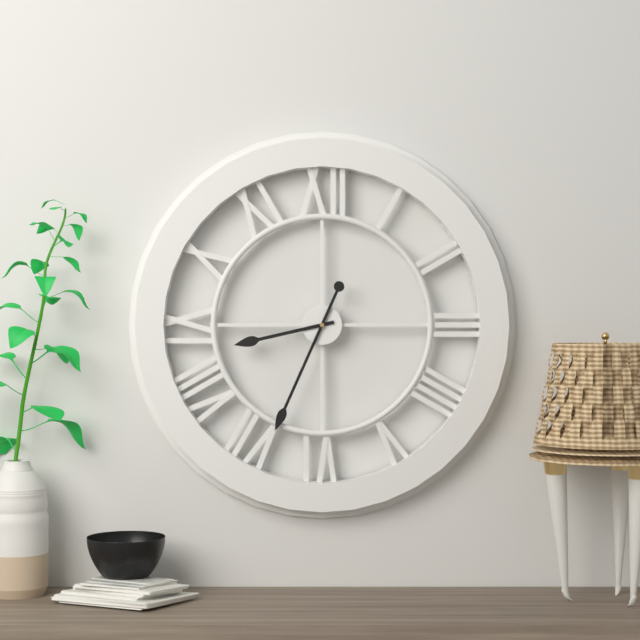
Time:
**8:34**
